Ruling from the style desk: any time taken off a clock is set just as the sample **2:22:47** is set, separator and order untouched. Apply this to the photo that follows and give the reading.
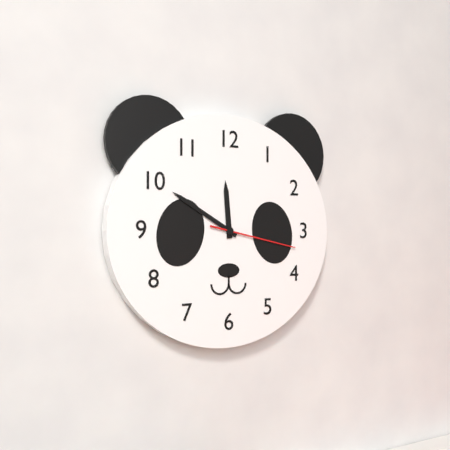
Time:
**11:50:17**
